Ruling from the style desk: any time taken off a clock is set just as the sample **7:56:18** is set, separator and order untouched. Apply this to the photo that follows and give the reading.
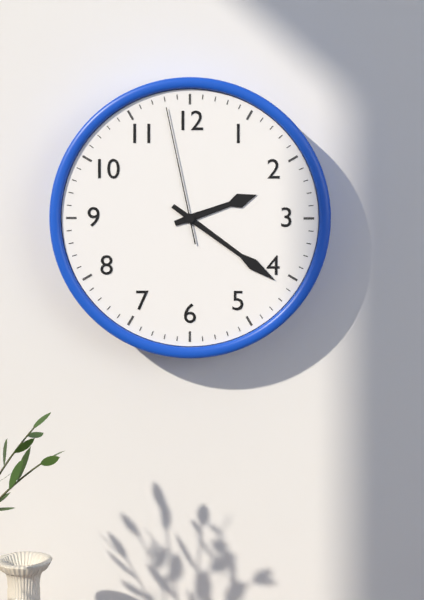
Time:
**2:21:58**
